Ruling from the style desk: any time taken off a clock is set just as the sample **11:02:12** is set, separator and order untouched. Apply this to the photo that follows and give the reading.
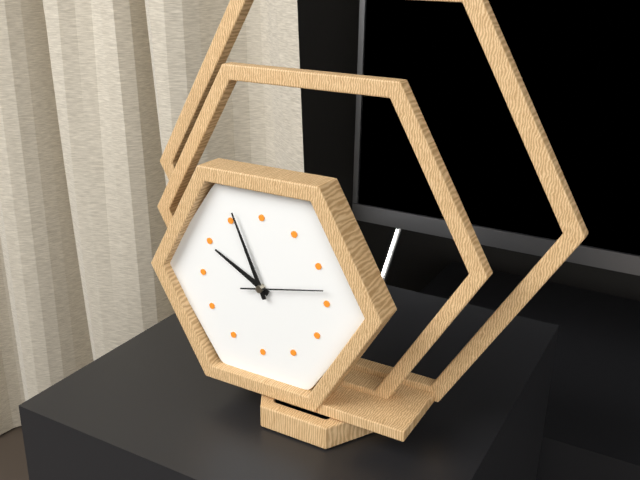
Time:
**9:56:13**
